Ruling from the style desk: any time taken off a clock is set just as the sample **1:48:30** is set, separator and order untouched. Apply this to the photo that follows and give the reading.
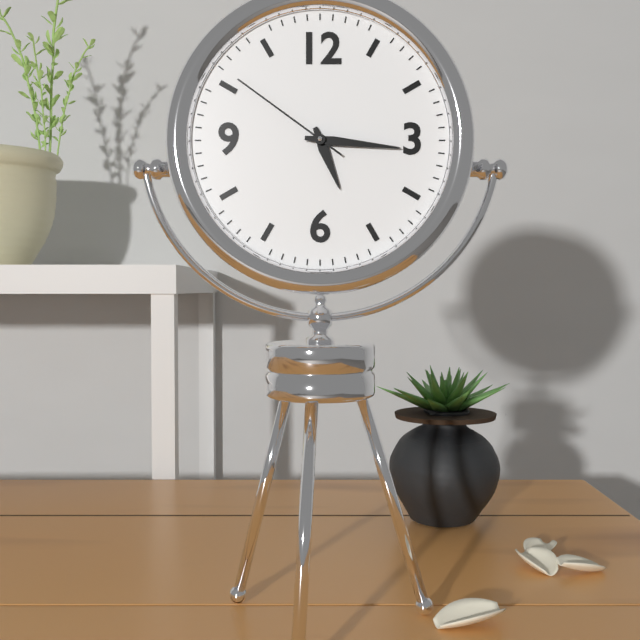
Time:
**5:16:51**
